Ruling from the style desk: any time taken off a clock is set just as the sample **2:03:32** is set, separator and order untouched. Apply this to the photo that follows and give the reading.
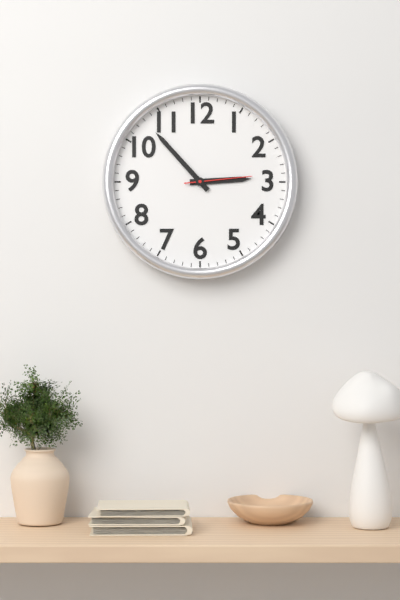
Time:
**2:53:14**
